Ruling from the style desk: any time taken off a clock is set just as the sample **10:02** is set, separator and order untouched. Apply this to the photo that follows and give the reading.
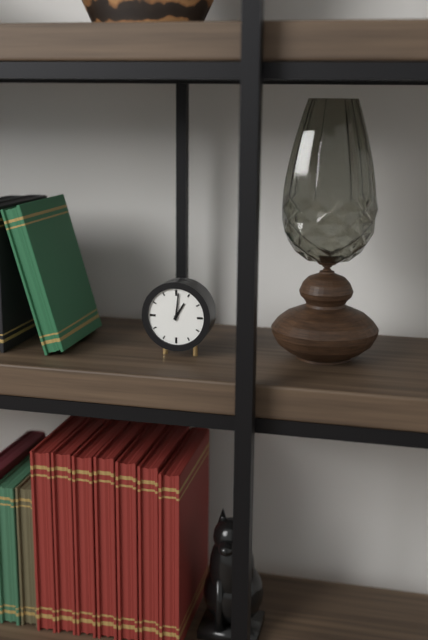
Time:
**1:01**
